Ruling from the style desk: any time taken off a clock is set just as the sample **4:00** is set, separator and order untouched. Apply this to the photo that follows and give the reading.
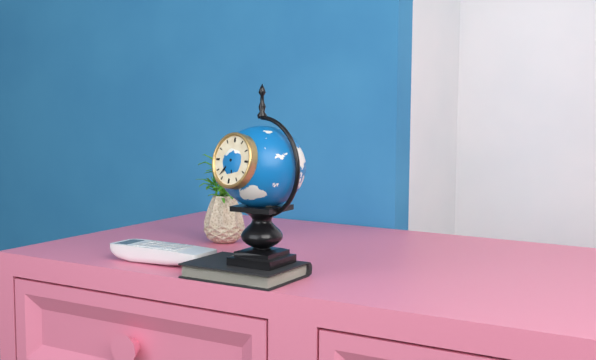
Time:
**5:37**
